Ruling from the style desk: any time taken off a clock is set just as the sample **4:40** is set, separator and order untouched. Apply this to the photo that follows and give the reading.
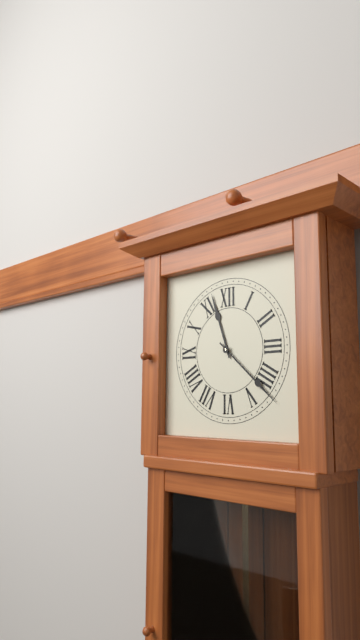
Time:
**11:22**
